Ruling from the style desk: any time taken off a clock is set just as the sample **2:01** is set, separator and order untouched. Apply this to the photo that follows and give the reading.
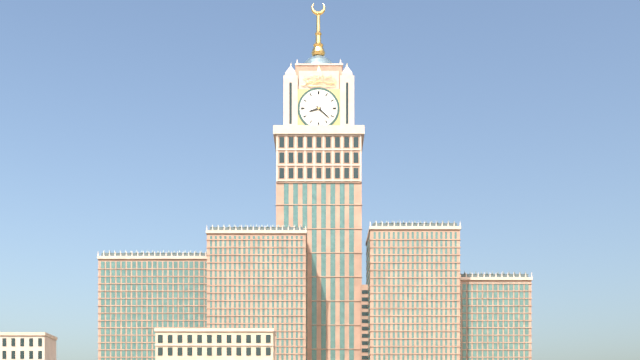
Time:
**8:22**
